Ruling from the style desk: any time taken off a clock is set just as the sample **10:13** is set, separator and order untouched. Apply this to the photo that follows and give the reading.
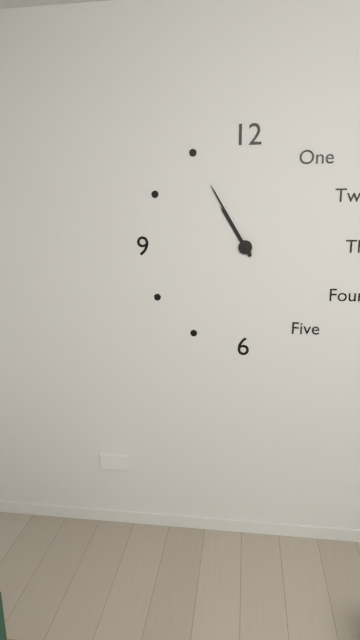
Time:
**10:55**
